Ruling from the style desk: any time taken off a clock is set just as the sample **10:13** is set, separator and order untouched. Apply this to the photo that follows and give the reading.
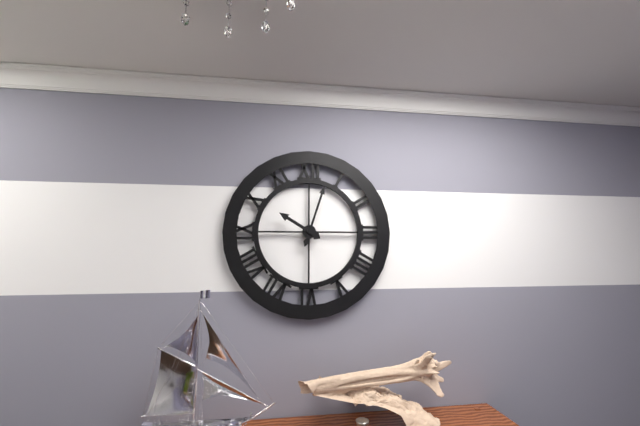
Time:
**10:03**
